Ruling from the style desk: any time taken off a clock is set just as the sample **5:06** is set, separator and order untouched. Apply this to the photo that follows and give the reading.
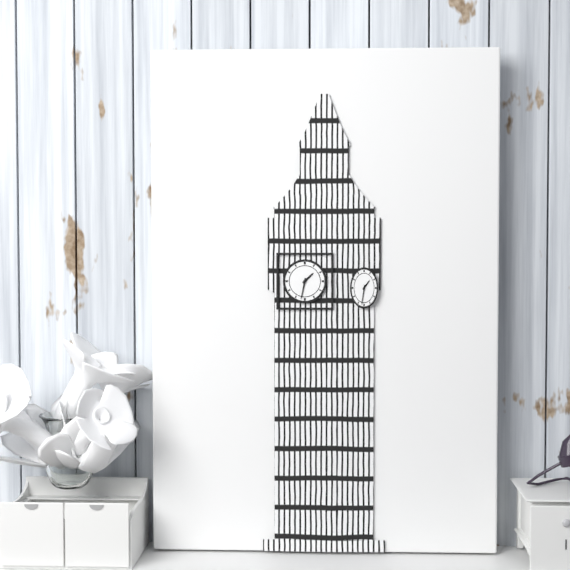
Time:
**1:32**
